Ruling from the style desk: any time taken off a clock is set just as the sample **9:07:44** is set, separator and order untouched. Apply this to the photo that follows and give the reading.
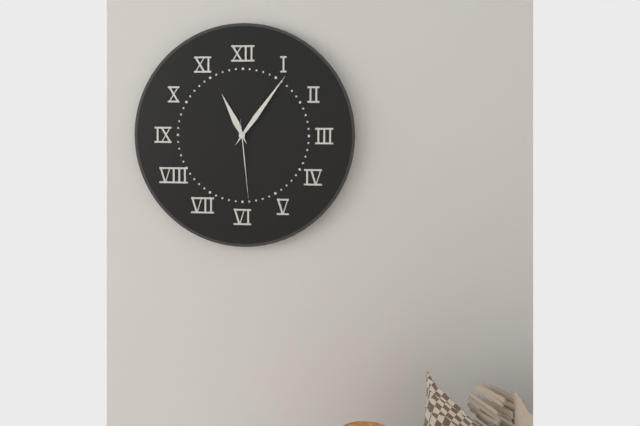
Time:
**11:06:29**
